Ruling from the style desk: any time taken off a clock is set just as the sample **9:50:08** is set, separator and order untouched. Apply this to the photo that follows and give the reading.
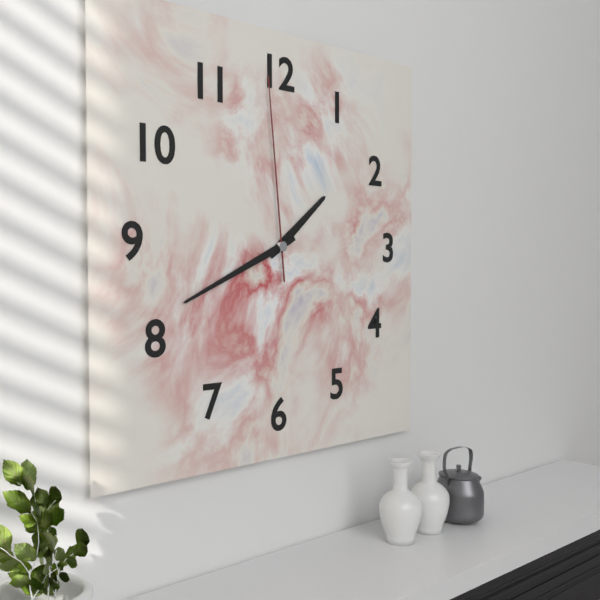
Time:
**1:41:59**
